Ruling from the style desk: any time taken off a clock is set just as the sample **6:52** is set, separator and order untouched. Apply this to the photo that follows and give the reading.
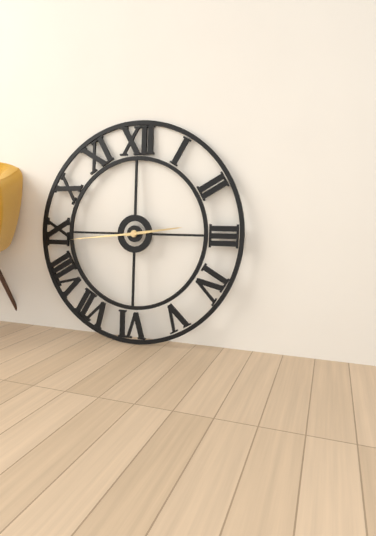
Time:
**2:44**
